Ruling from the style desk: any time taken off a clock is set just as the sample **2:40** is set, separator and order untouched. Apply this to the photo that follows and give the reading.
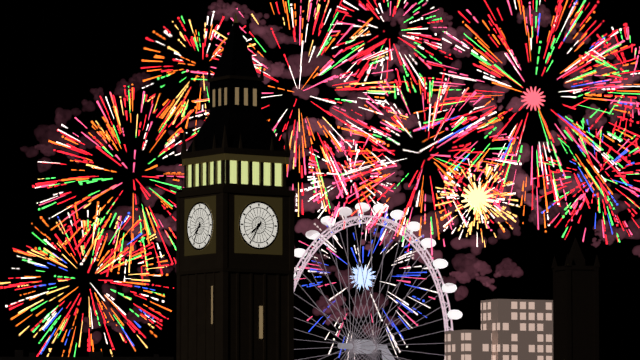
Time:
**7:35**
